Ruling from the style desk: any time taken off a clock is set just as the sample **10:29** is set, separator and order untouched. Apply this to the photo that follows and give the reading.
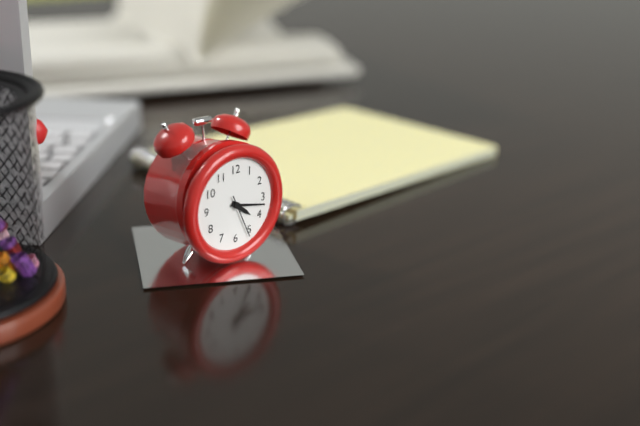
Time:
**4:17**
